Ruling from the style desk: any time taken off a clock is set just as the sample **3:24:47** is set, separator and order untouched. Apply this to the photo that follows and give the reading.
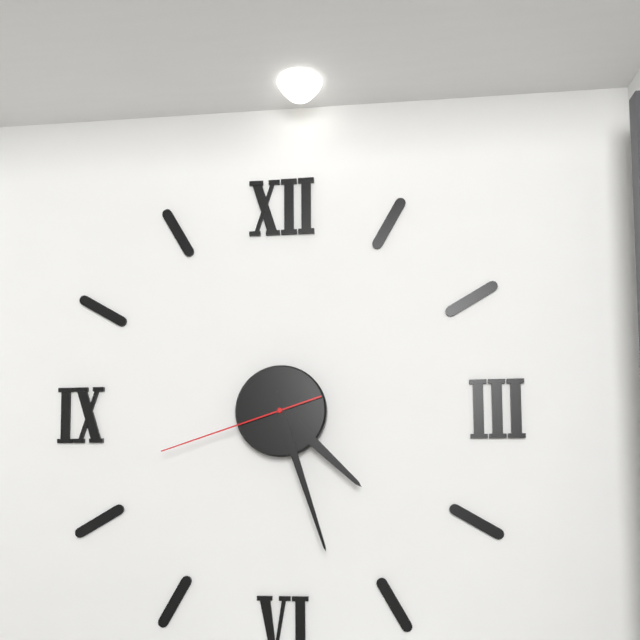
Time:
**4:27:42**
